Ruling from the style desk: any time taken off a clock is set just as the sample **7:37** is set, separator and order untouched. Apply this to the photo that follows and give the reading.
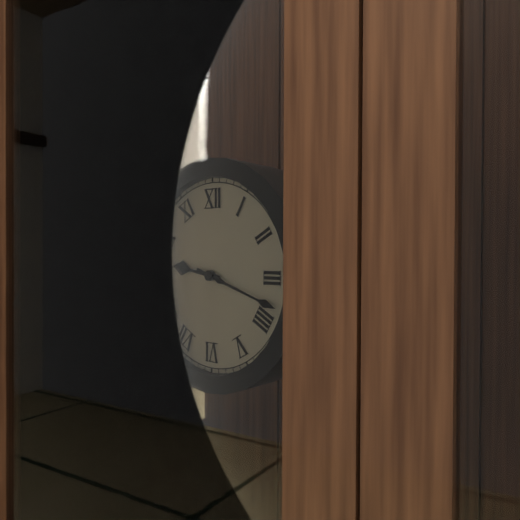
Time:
**9:18**
